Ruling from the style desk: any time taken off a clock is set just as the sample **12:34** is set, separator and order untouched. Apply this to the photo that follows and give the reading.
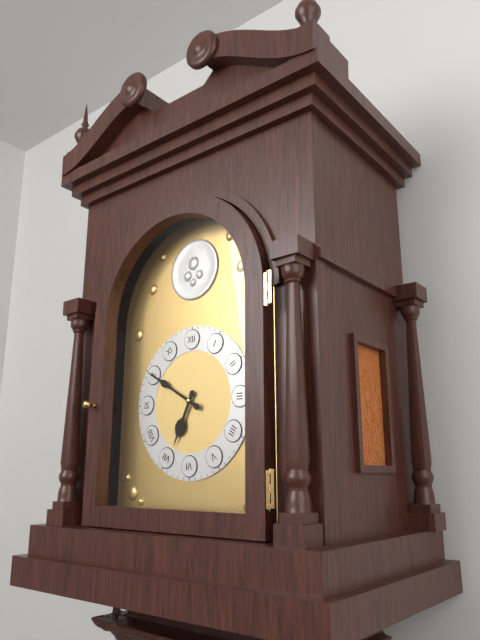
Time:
**6:50**
